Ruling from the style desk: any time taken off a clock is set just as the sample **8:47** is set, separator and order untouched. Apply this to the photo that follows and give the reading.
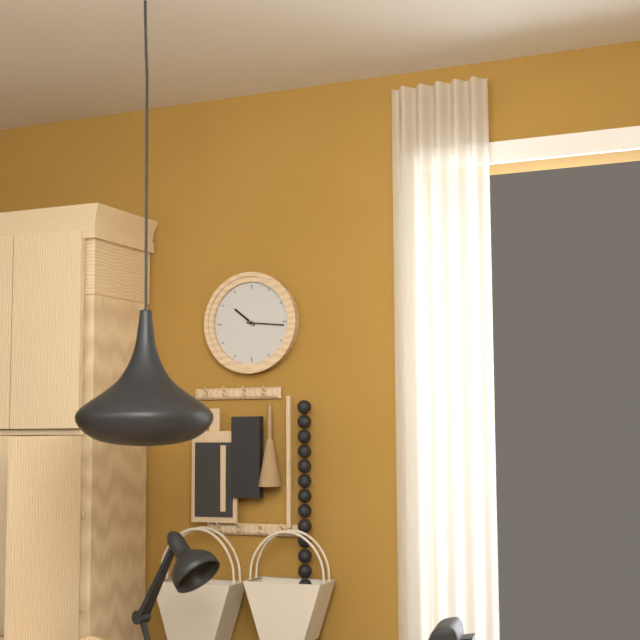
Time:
**10:16**
